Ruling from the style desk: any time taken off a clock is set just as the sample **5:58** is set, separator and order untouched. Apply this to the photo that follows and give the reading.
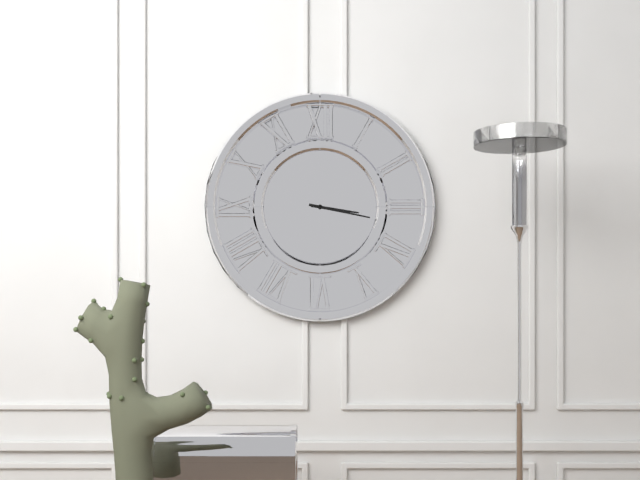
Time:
**3:17**
